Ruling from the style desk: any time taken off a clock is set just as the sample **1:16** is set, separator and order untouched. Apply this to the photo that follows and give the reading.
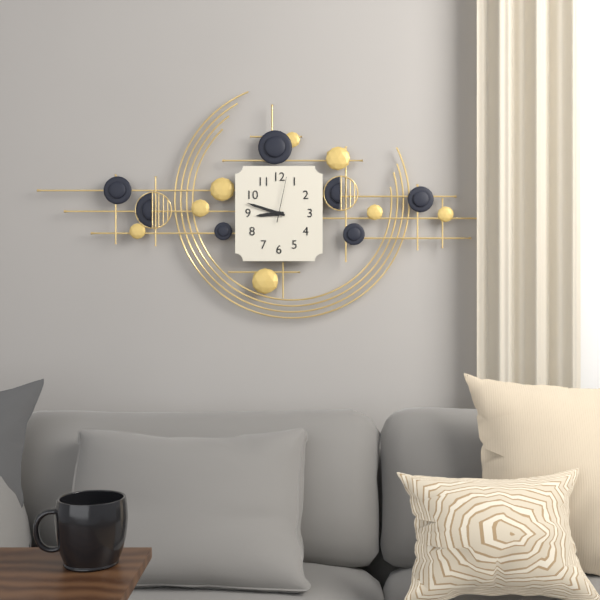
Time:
**8:48**
